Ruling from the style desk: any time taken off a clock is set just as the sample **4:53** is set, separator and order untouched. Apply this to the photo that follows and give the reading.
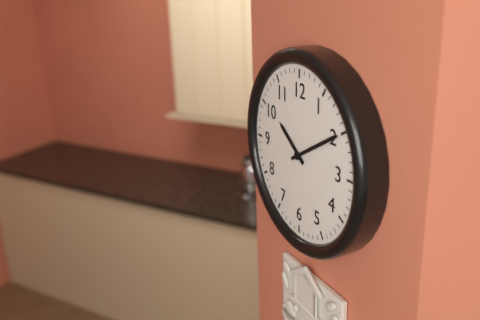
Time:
**10:10**
